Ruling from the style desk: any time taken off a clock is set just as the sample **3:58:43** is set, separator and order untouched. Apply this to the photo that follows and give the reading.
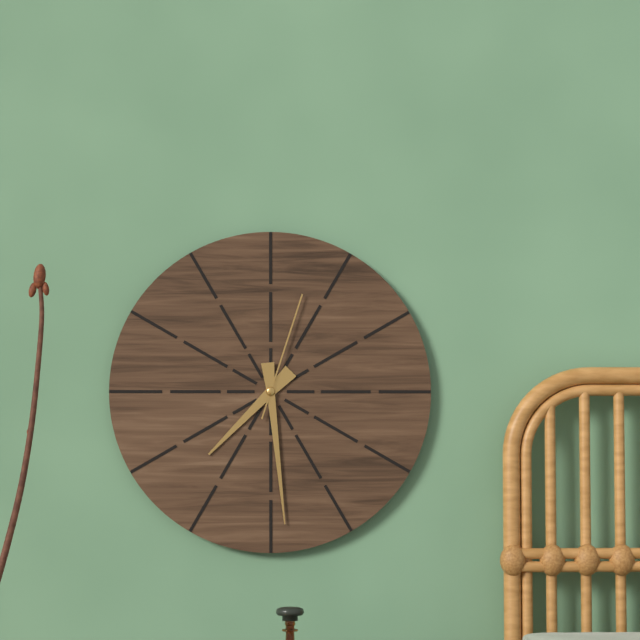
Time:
**7:29:03**
